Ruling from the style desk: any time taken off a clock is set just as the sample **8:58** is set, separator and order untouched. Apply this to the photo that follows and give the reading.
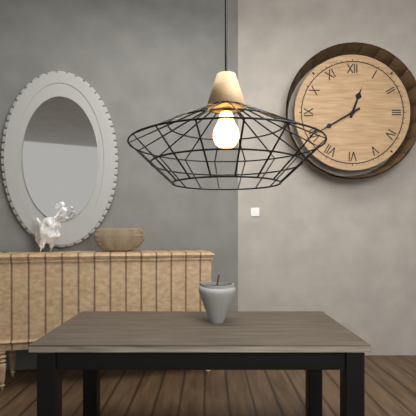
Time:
**12:40**
